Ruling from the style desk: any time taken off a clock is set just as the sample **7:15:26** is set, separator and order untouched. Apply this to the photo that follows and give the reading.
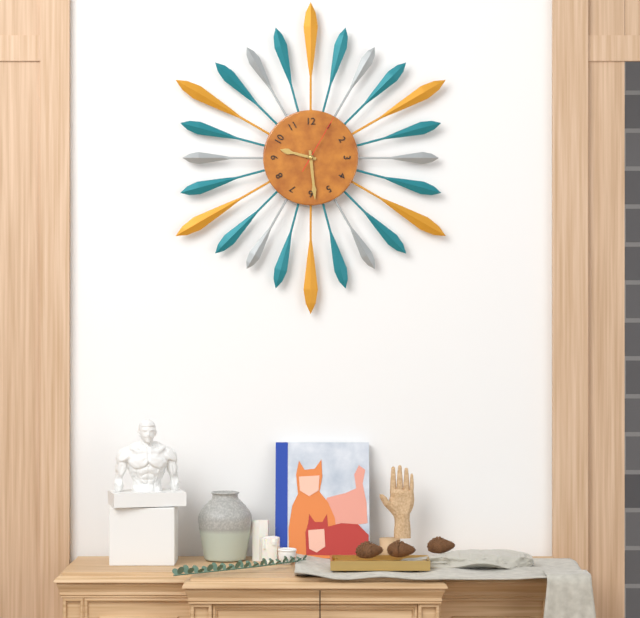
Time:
**9:29:05**
